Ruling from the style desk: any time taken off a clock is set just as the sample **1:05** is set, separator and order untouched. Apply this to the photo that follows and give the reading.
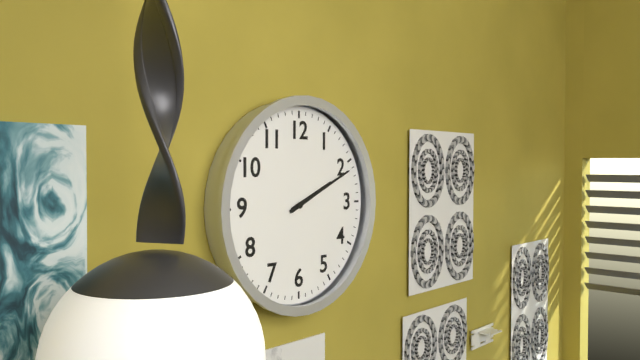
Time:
**2:11**
